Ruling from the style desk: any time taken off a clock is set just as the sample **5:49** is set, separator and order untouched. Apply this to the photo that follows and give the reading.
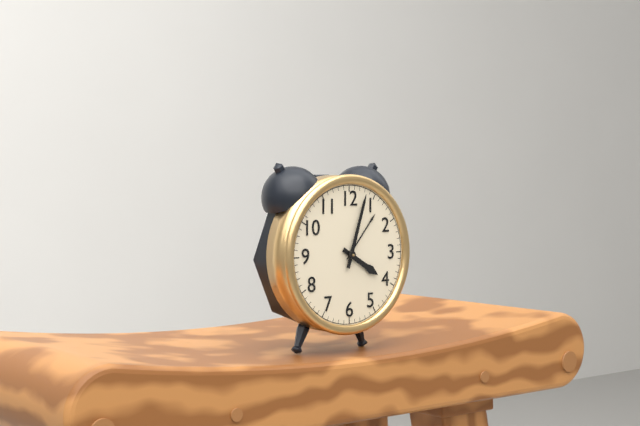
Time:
**4:03**
